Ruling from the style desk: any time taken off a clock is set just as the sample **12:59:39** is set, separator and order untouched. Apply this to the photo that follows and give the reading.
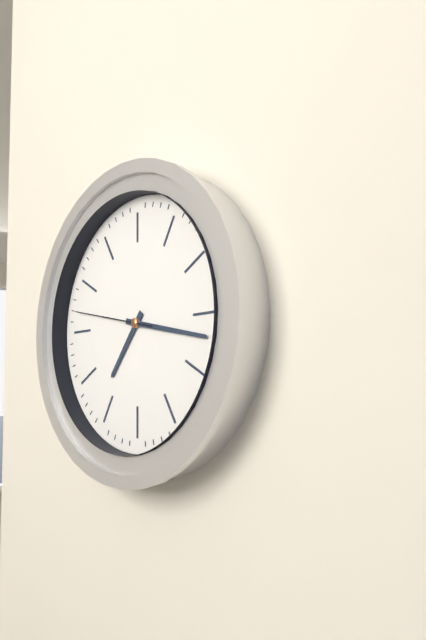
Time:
**7:17:47**
